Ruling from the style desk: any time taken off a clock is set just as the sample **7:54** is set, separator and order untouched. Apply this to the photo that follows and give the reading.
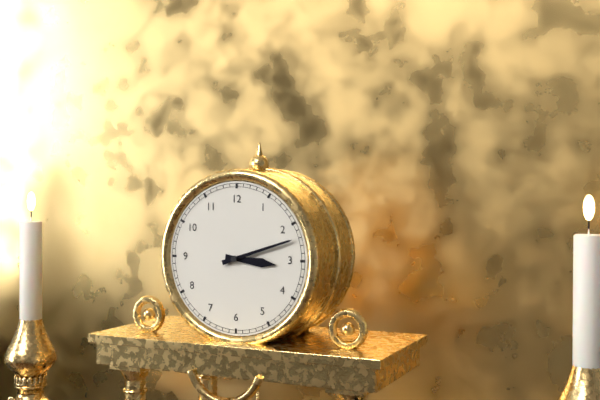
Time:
**3:12**
